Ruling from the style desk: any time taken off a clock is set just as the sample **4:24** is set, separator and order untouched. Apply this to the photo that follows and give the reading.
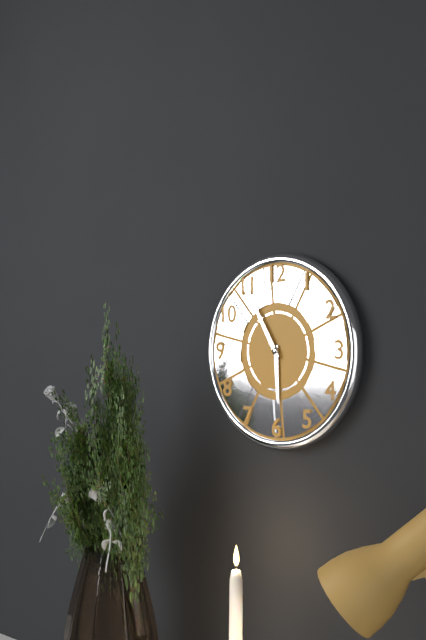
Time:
**5:55**
